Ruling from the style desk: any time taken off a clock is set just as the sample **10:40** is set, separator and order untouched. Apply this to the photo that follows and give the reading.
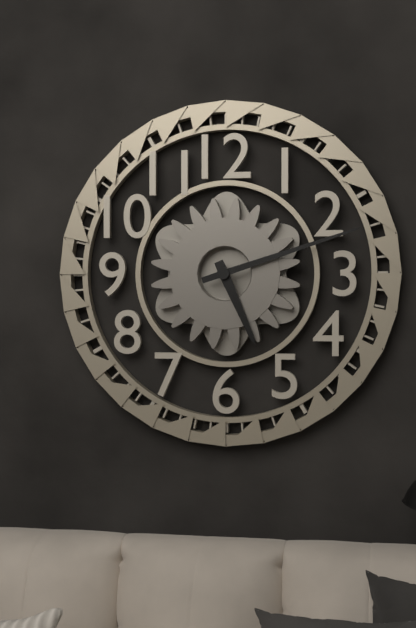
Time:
**5:12**
